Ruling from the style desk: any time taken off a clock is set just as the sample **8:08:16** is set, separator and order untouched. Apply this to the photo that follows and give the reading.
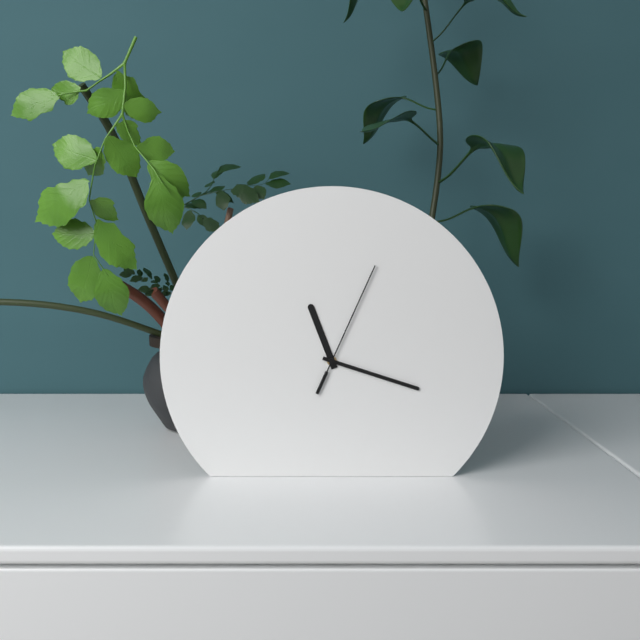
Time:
**11:18:04**
